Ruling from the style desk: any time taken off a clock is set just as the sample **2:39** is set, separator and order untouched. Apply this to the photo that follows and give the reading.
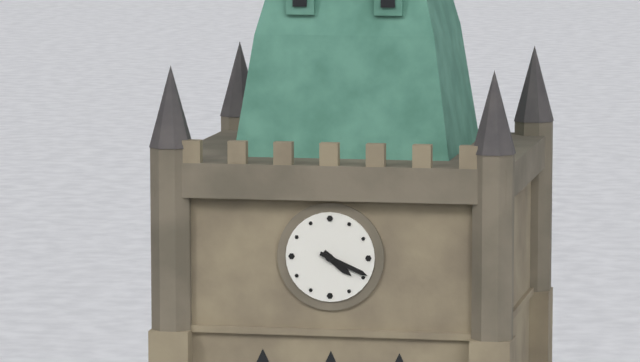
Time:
**4:19**
